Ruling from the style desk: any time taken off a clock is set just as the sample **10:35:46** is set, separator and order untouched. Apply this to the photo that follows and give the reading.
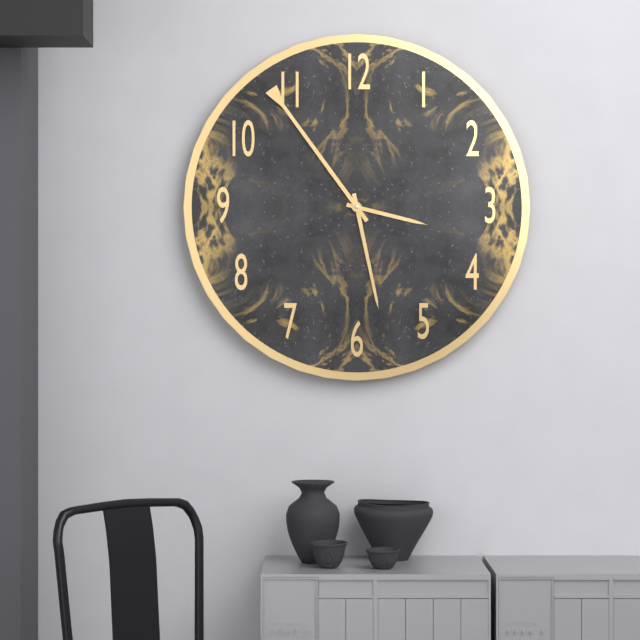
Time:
**3:28:54**
